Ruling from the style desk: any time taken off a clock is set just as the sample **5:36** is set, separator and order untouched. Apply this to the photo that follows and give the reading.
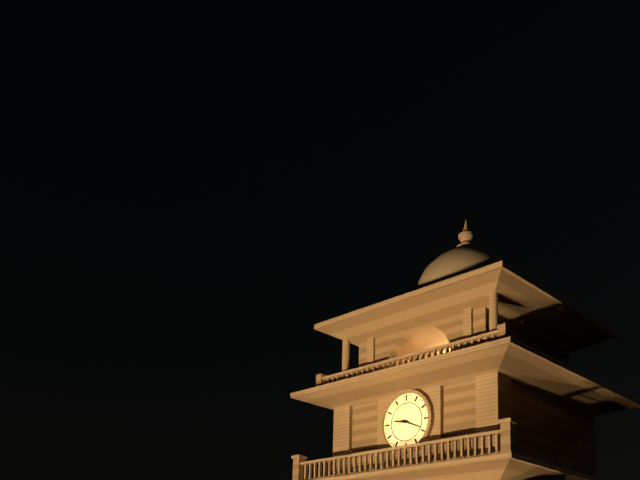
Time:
**9:19**
